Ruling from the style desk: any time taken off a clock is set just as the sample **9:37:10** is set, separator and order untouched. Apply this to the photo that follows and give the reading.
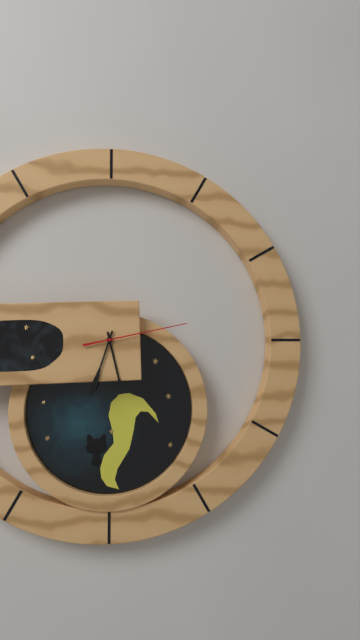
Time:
**5:33:13**
